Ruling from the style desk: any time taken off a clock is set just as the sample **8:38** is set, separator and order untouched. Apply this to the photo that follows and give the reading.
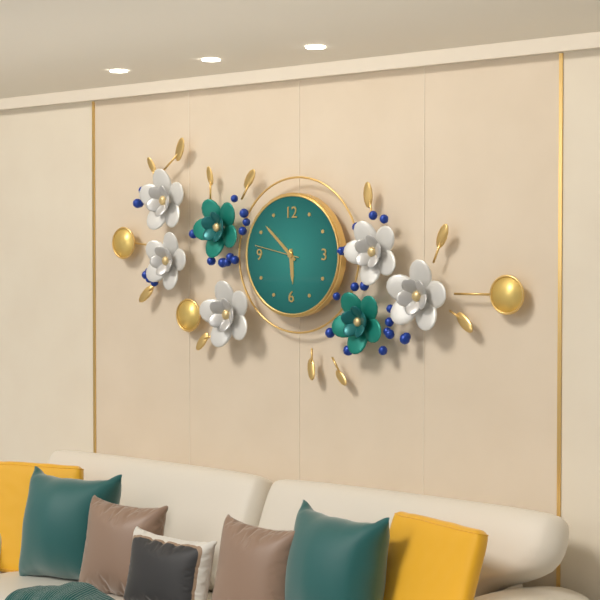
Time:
**5:52**
